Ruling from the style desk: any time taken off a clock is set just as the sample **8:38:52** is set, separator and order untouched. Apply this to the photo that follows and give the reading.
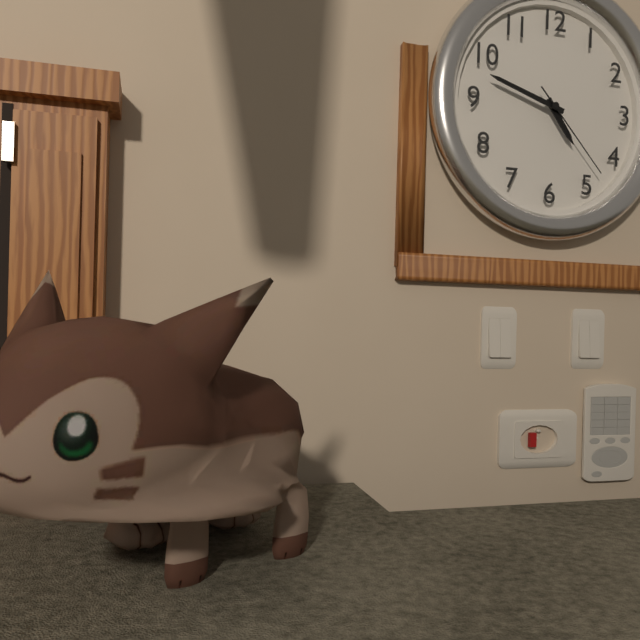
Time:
**4:48:23**
